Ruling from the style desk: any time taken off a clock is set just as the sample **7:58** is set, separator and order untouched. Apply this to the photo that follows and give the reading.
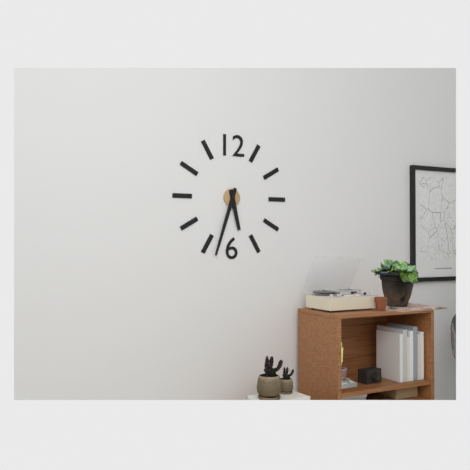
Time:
**5:33**
